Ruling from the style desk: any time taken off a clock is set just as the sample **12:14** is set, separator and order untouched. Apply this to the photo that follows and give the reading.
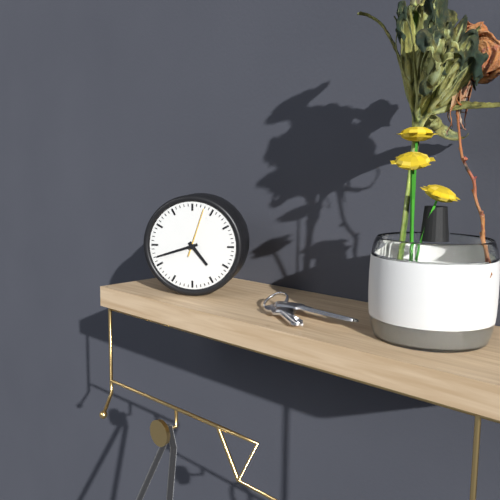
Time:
**4:42**
